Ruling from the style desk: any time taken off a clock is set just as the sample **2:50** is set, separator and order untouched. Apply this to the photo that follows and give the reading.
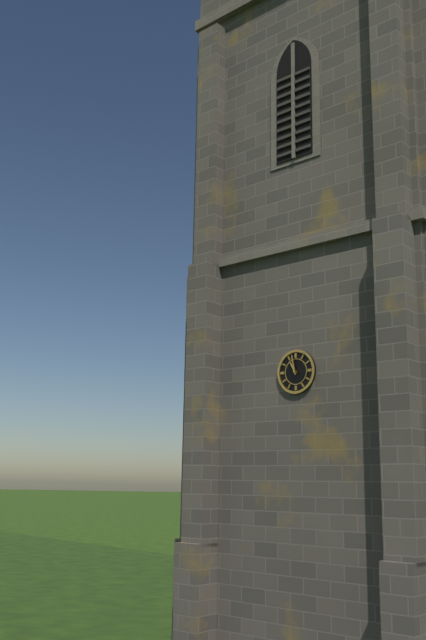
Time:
**10:58**
